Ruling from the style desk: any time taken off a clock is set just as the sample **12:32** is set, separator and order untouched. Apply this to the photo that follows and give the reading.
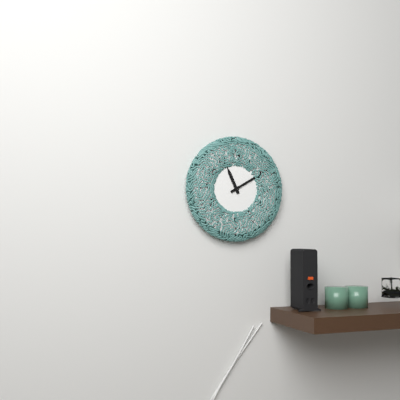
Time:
**11:10**
